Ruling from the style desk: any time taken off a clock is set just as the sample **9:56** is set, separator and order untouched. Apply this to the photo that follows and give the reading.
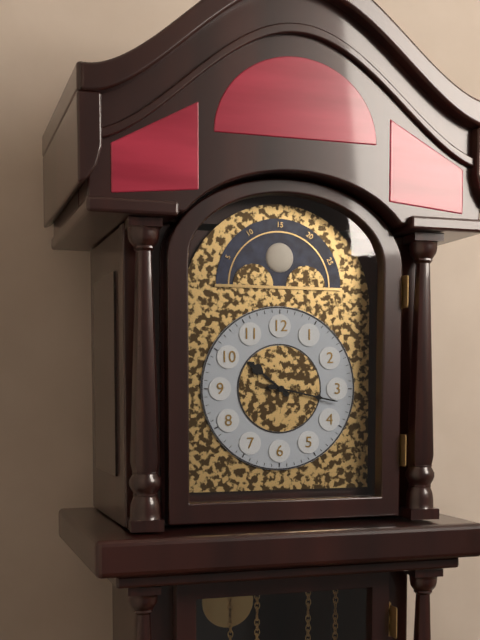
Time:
**10:17**
